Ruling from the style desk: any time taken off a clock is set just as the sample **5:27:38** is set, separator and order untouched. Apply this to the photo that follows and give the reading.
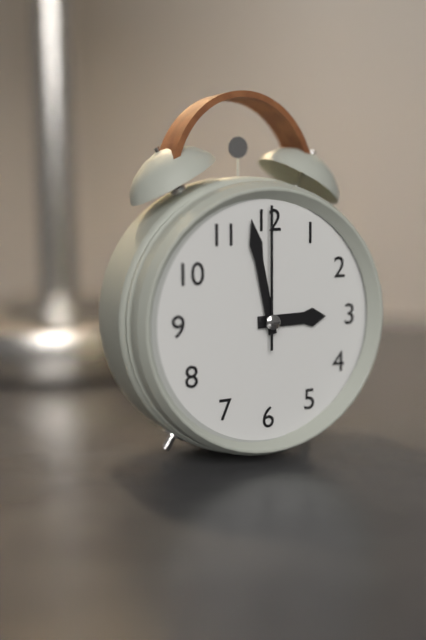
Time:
**2:58:00**
